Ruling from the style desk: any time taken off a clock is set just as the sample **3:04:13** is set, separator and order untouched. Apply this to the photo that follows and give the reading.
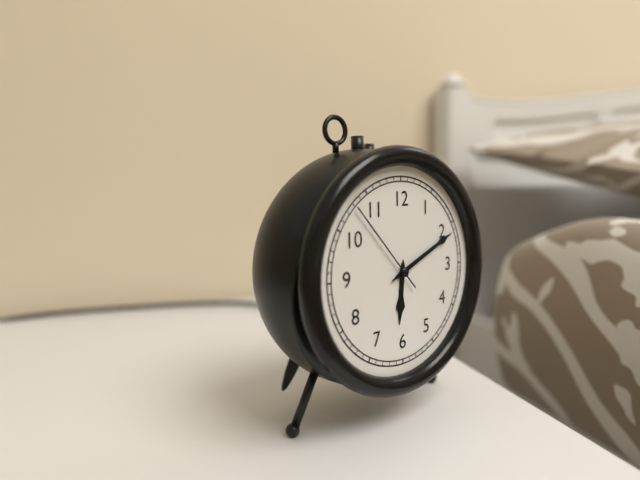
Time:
**6:11:53**
